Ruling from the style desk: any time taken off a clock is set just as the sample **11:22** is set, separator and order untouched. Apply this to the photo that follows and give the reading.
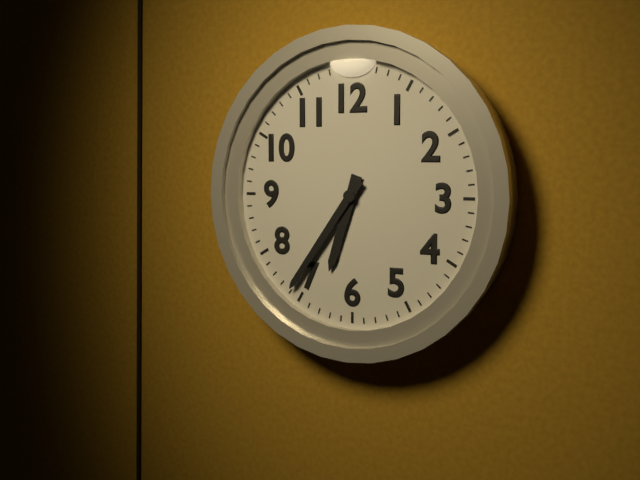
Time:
**6:36**
